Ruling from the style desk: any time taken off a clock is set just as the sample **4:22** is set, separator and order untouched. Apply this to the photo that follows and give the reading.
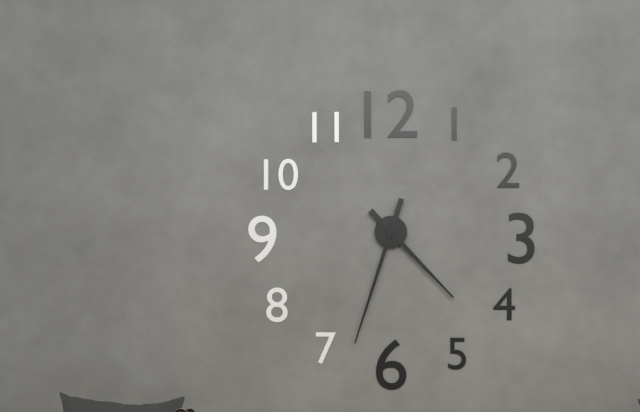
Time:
**4:33**
